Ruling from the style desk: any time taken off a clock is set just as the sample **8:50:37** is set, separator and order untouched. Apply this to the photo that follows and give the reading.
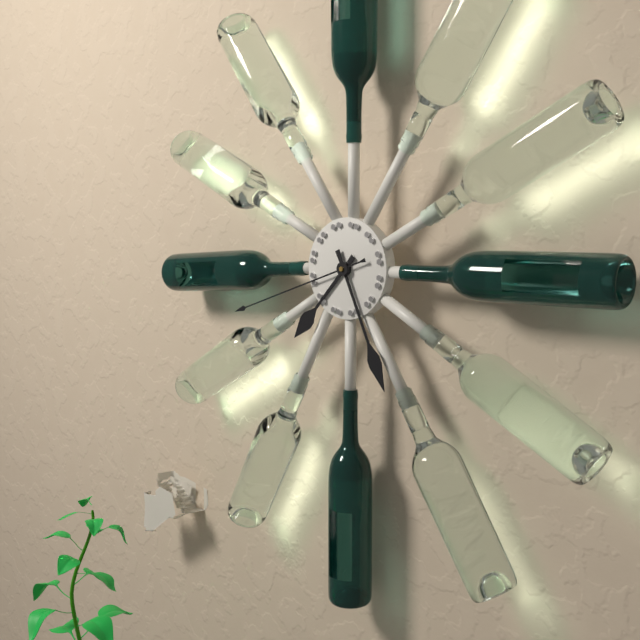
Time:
**7:26:42**
